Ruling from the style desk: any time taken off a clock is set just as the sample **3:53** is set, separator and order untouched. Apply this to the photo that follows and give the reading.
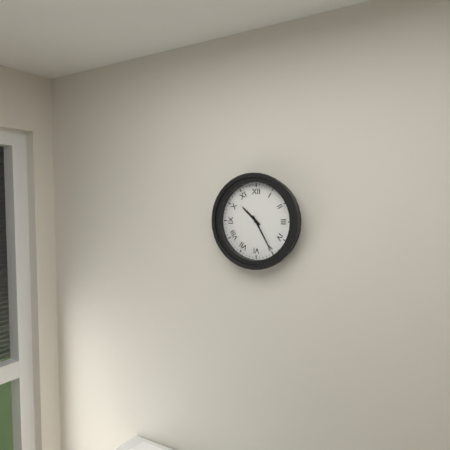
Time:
**10:25**
